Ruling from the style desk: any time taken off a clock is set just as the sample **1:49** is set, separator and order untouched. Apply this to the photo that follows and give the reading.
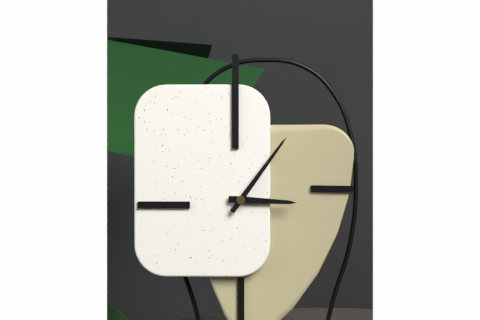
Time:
**3:06**
